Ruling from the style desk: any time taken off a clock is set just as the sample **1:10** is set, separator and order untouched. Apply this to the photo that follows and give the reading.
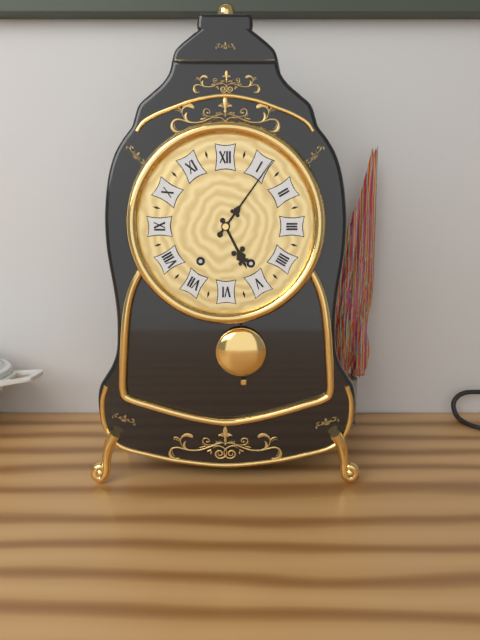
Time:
**5:06**
